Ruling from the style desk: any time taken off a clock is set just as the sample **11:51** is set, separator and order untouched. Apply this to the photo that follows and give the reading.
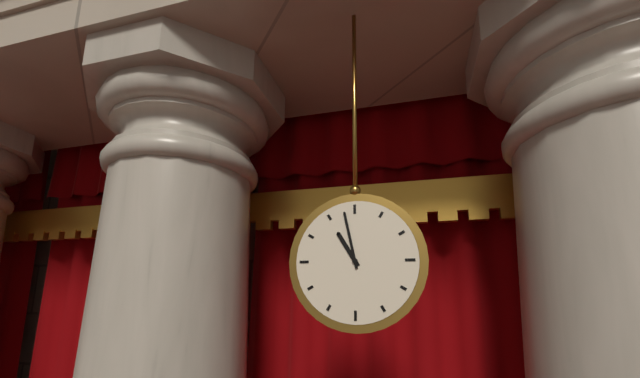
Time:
**10:58**
